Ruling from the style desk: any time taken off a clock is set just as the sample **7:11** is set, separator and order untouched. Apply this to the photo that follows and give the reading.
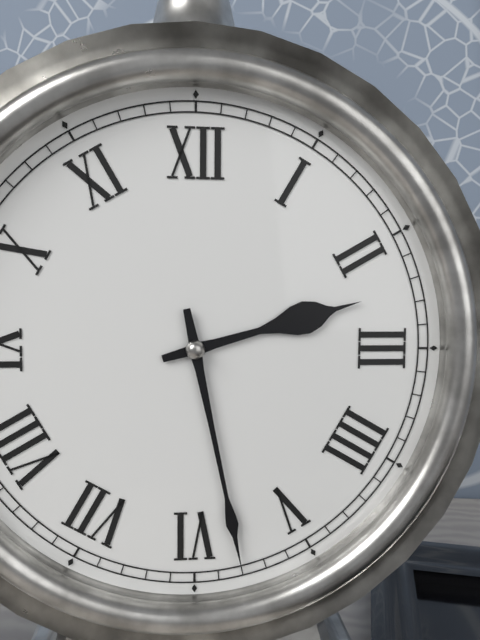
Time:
**2:28**
